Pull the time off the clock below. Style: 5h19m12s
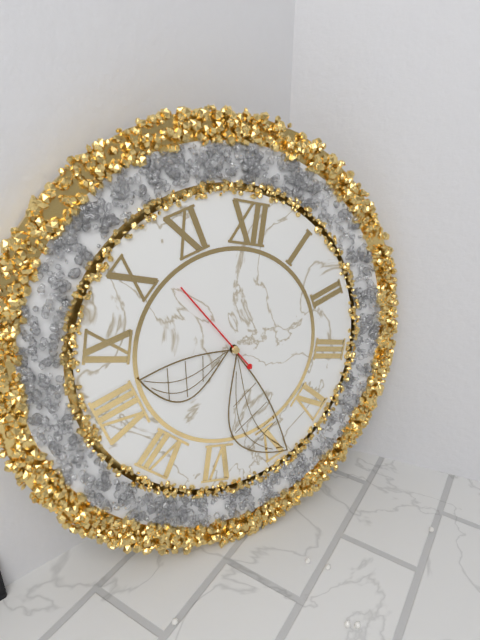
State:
8h24m52s
